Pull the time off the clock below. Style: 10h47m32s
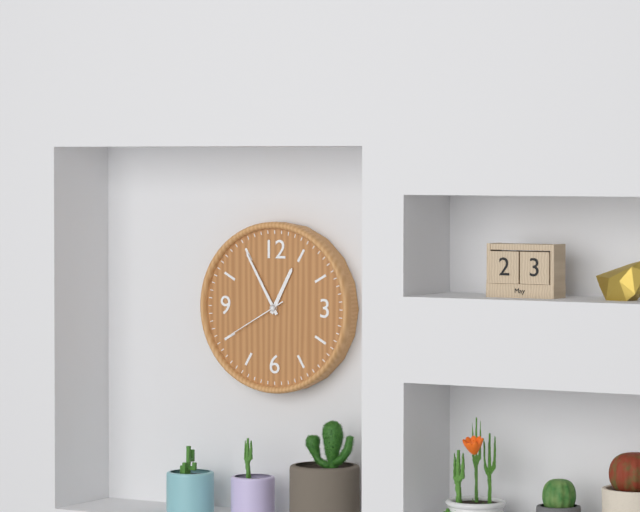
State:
12h55m40s
